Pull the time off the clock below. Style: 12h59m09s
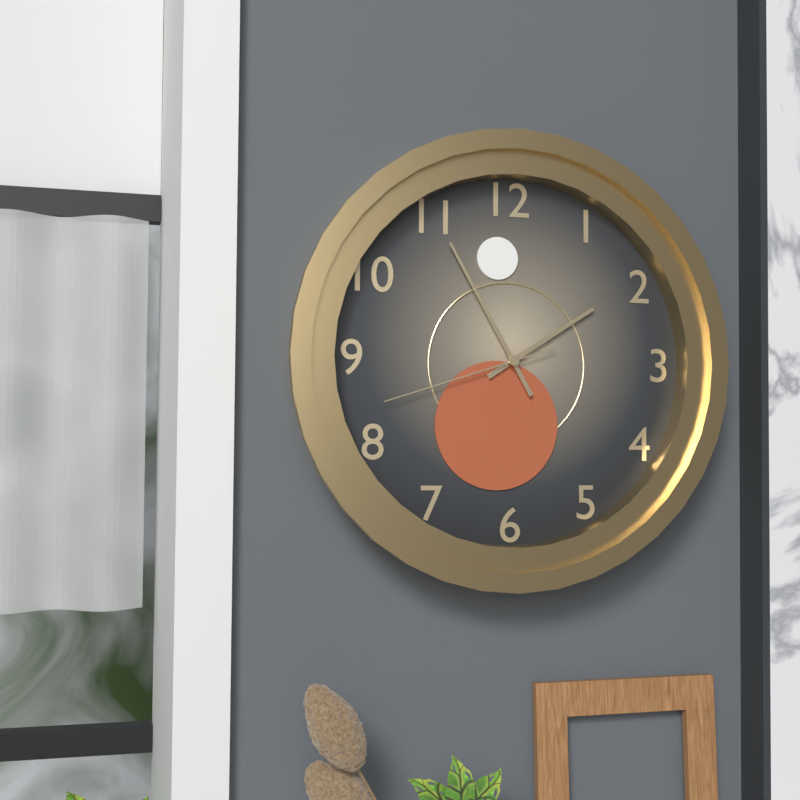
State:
1h55m42s
